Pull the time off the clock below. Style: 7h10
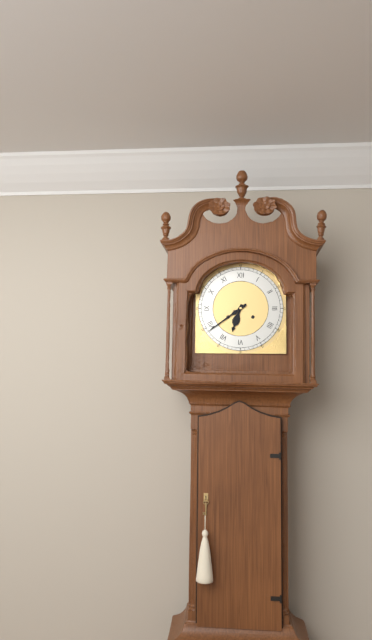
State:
6h39
